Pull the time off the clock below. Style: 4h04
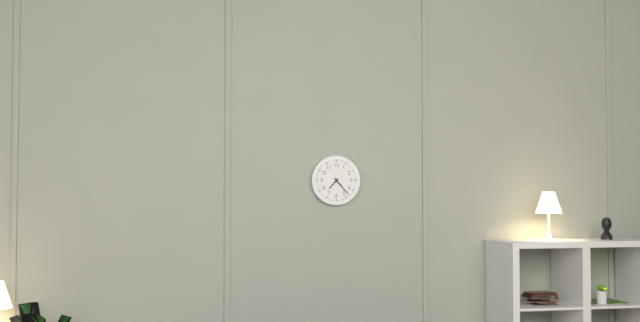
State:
7h23
